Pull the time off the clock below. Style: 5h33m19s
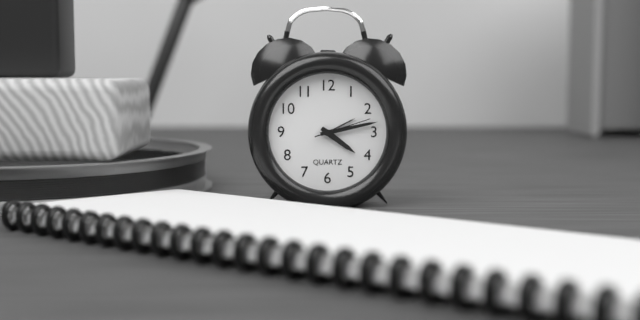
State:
4h13m12s
